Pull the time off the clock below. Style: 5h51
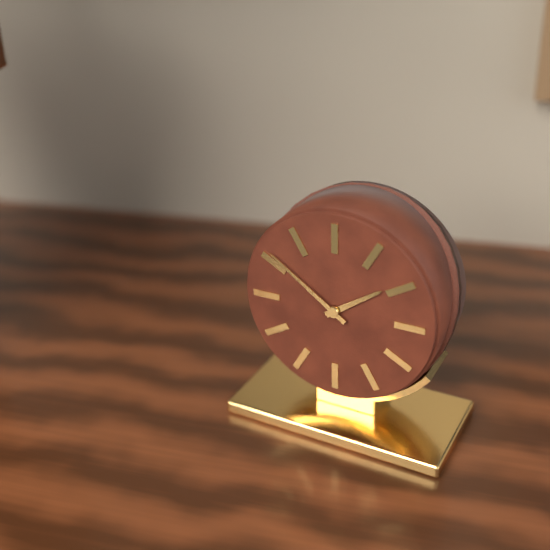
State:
1h51
